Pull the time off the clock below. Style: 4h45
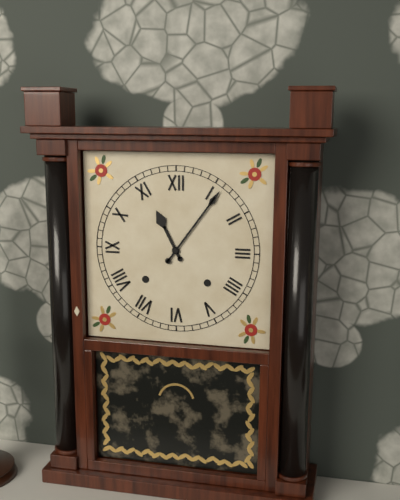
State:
11h06
